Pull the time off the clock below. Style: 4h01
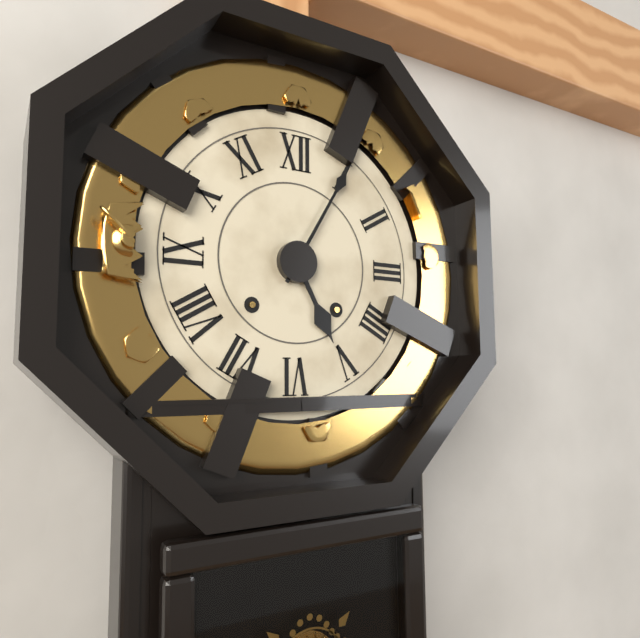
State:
5h05
